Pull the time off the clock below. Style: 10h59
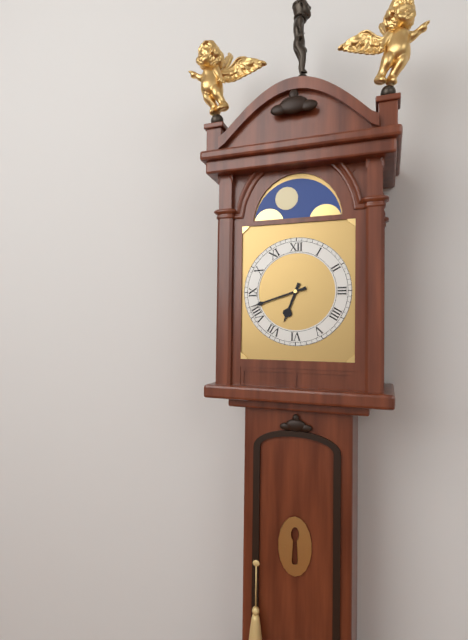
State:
6h42
